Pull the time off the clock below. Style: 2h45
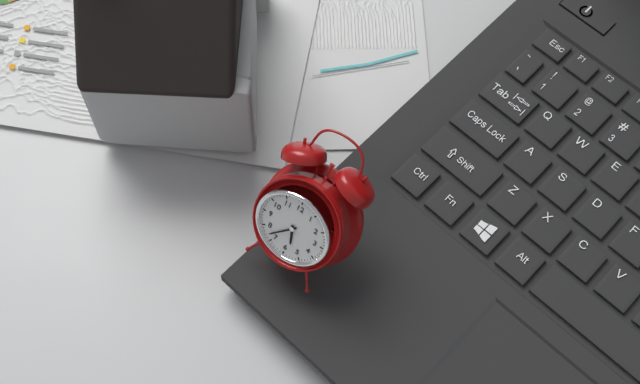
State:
5h37
